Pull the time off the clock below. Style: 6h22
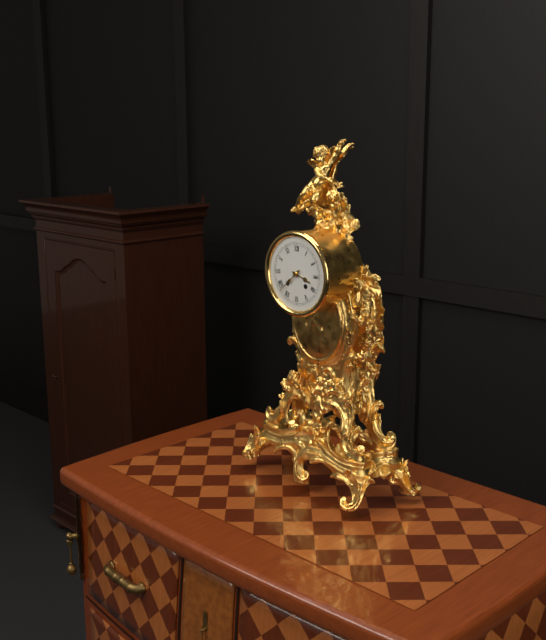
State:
3h38
